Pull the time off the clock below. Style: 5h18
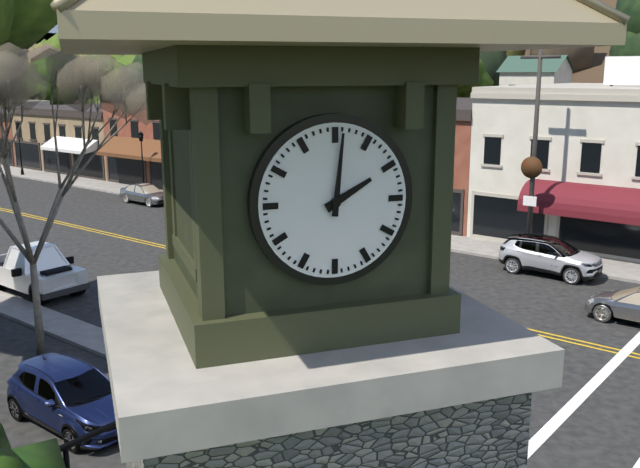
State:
2h01
